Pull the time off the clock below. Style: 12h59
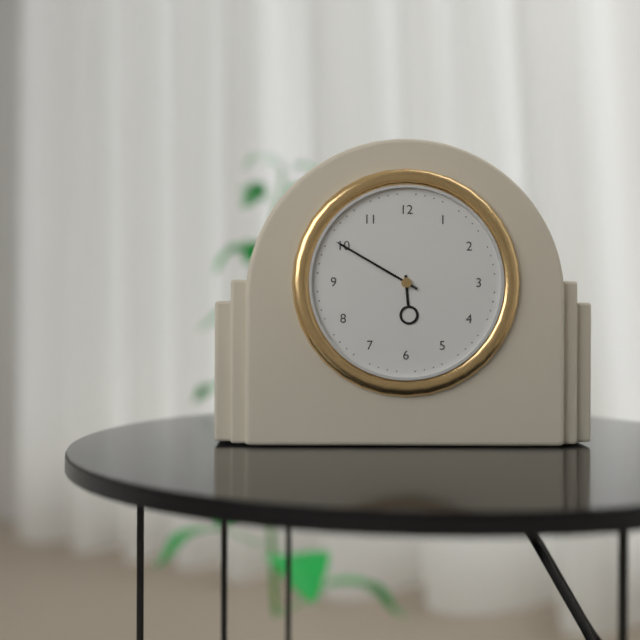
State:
5h50
